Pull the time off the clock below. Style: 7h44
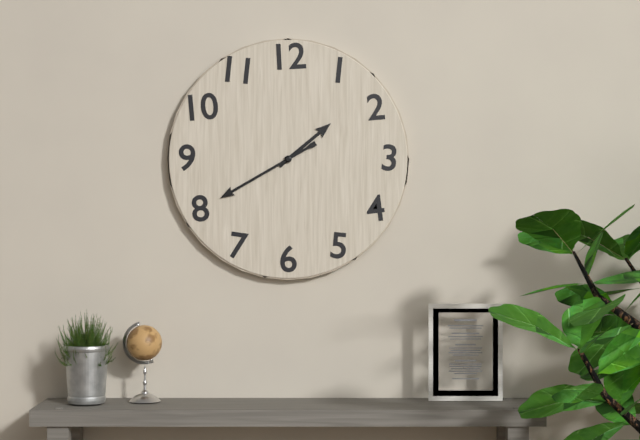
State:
1h40
